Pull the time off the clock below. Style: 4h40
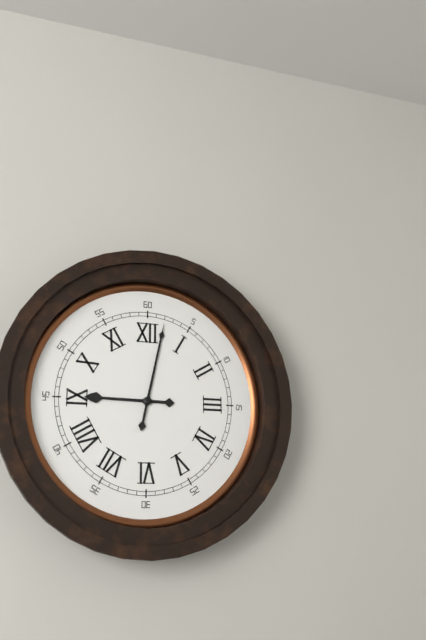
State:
9h02
